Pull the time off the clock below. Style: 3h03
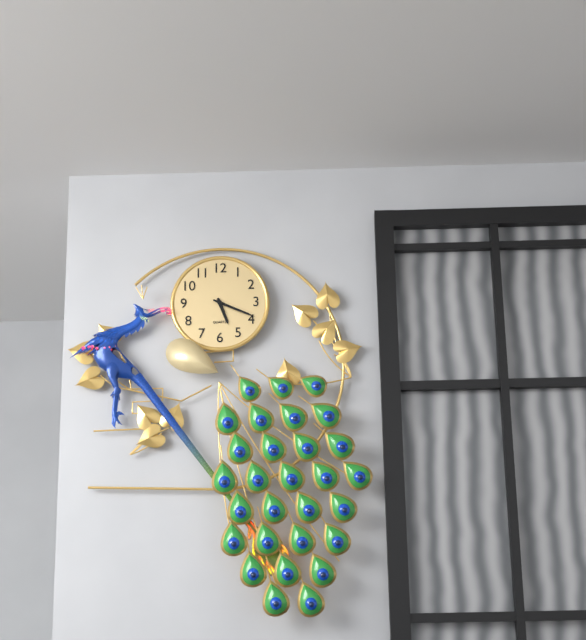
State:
5h19
